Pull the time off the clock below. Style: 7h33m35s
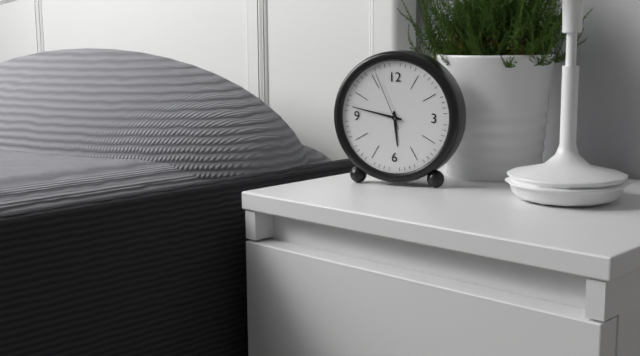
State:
5h47m56s
